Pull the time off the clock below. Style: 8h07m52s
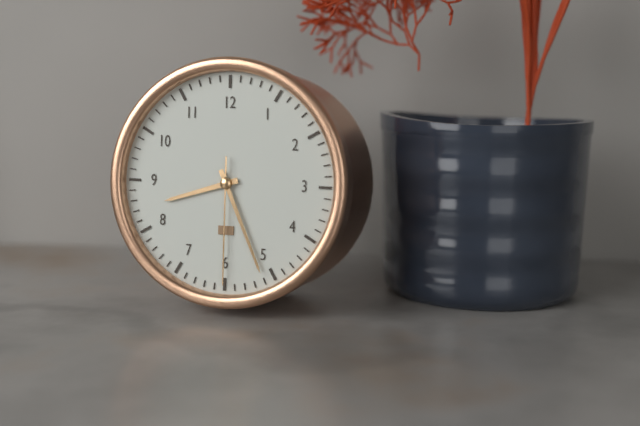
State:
8h26m30s
